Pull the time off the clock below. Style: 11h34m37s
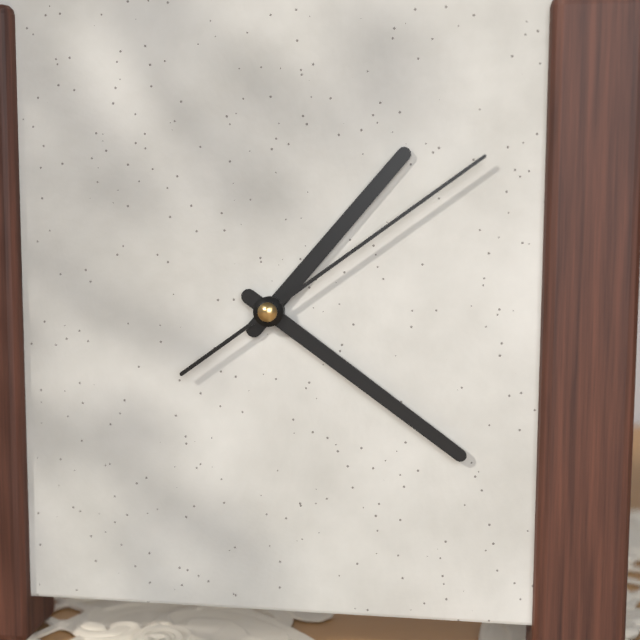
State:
1h21m09s
